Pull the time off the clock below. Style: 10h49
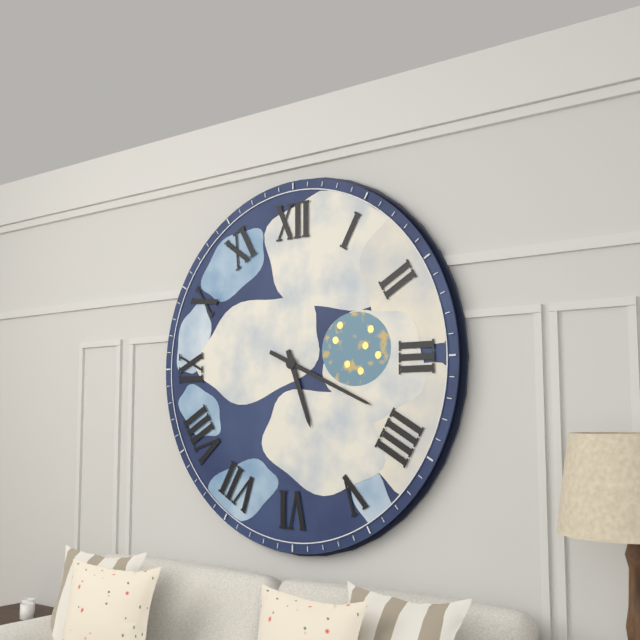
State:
5h19
